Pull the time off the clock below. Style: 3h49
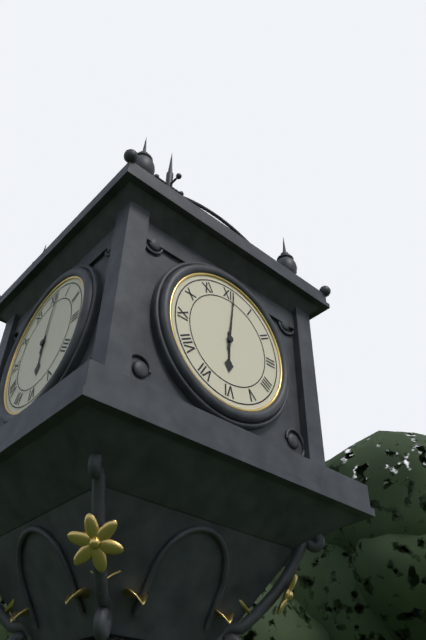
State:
6h01
